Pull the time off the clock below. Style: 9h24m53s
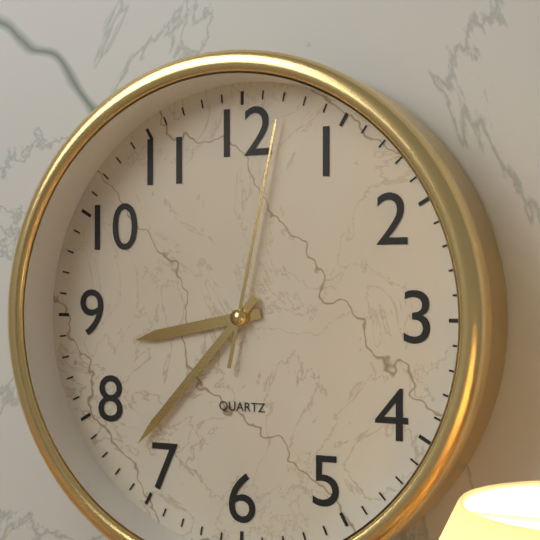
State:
8h37m02s
